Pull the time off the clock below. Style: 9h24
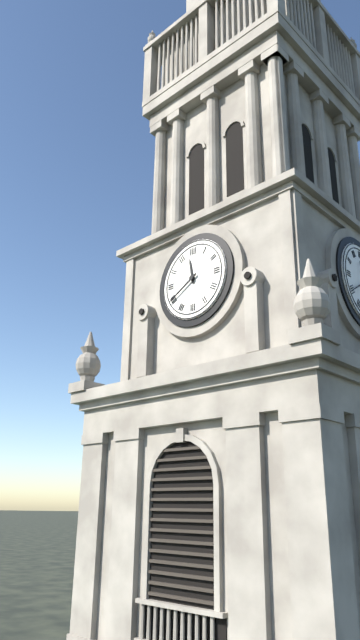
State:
11h40
